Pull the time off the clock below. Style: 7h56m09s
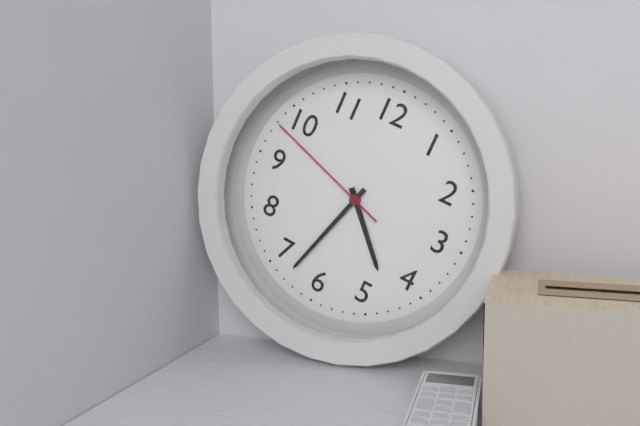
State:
4h33m48s
